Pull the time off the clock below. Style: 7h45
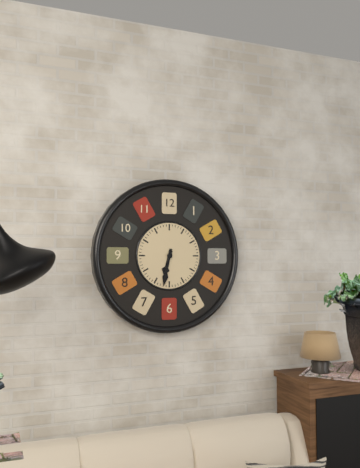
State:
6h32
